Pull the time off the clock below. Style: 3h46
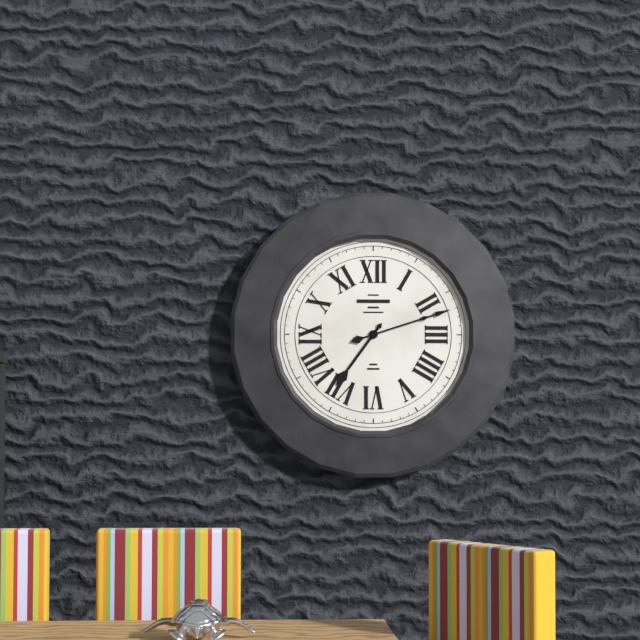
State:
7h12
